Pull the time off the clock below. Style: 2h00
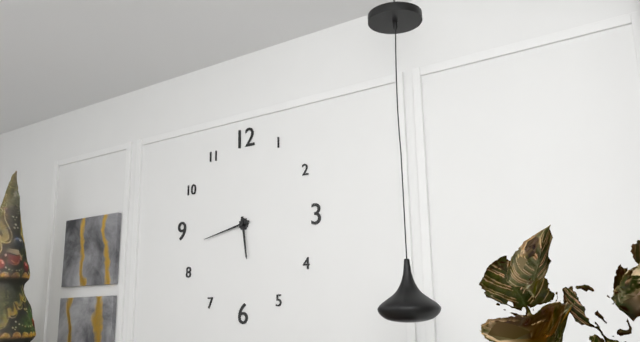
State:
5h43
